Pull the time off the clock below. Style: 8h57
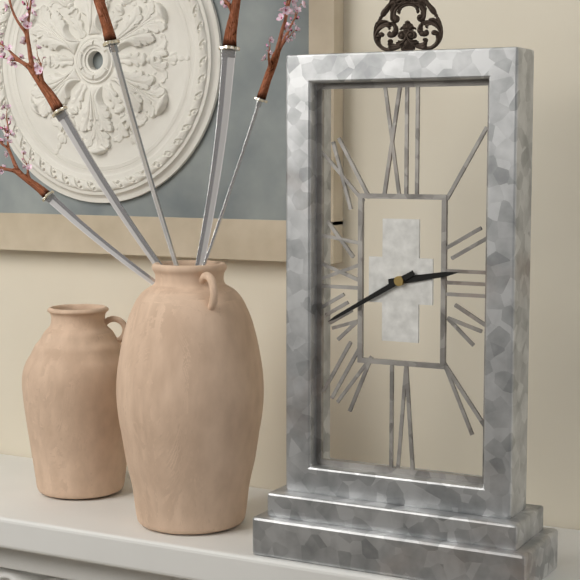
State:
2h40
